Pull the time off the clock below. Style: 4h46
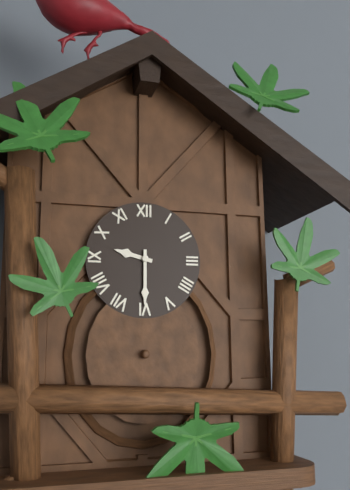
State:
9h30
